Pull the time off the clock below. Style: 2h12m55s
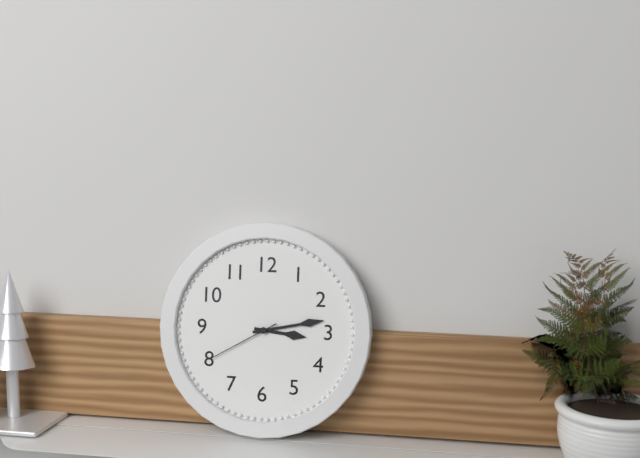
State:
3h13m40s
